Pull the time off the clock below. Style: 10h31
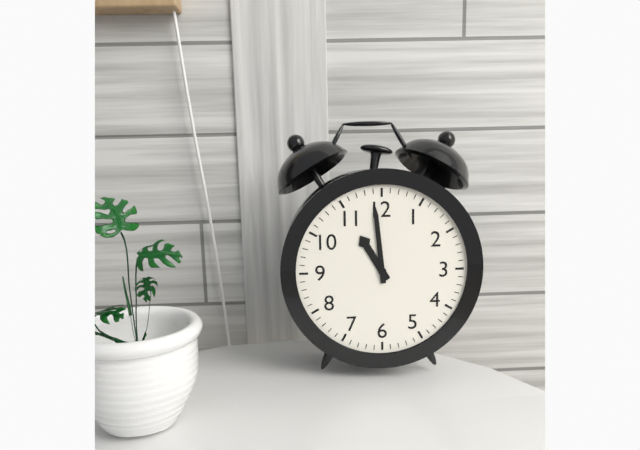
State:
10h59
